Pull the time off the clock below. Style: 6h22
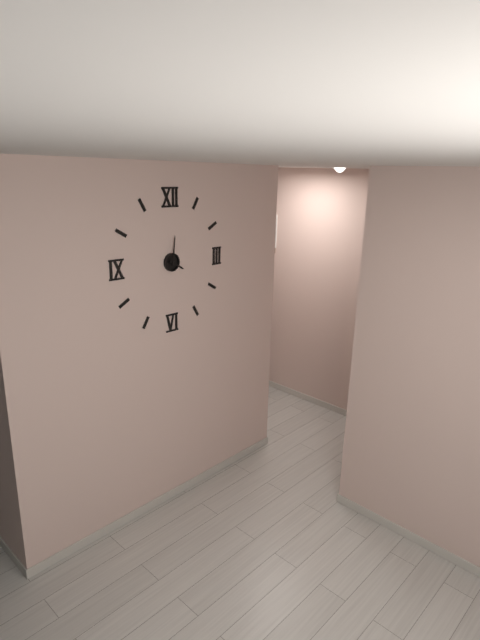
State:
4h01
